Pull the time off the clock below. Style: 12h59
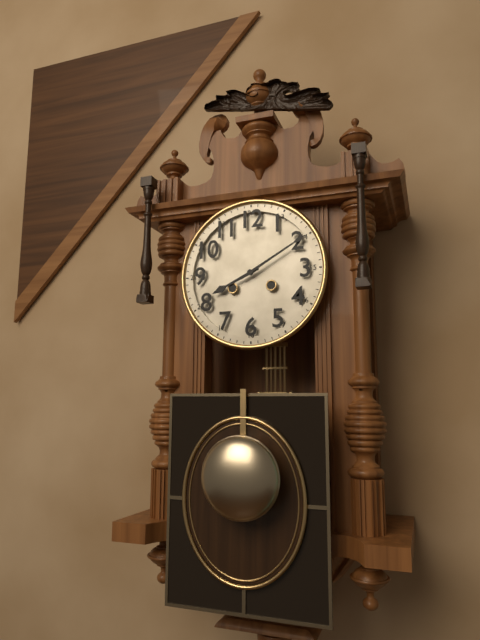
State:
8h10
